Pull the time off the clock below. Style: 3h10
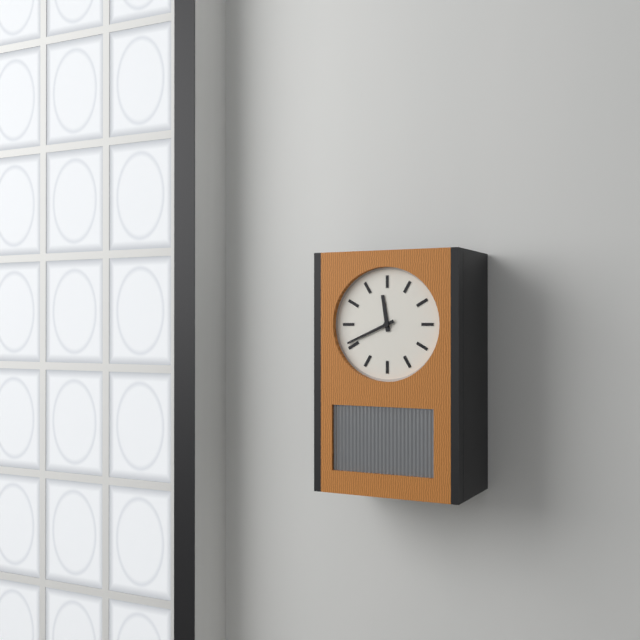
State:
11h41
